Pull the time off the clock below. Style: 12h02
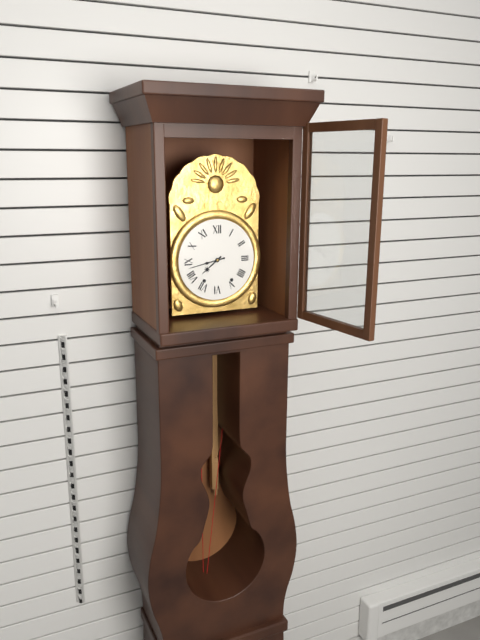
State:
7h43
